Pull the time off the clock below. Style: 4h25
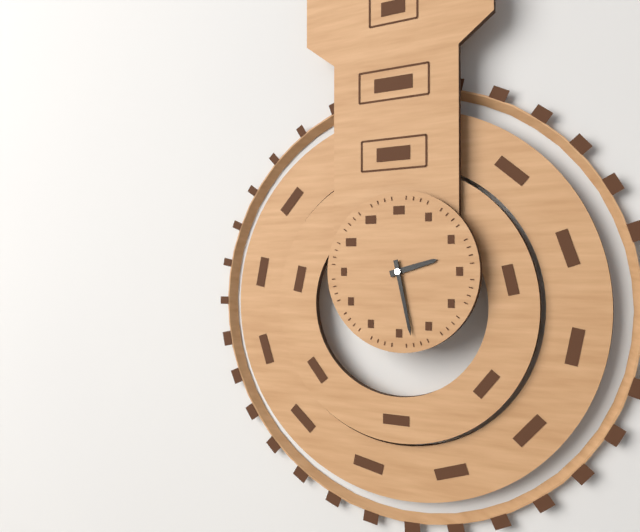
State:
2h28
